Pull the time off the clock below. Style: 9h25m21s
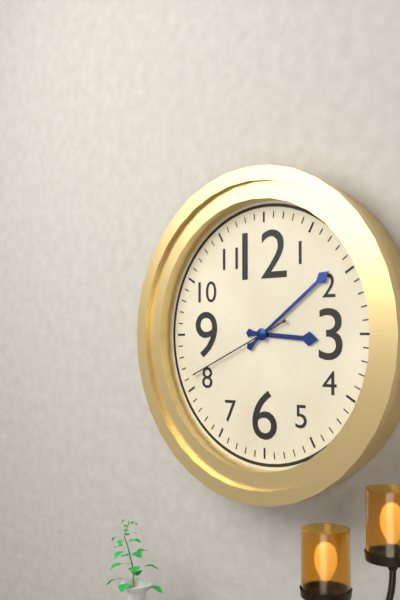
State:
3h09m41s
